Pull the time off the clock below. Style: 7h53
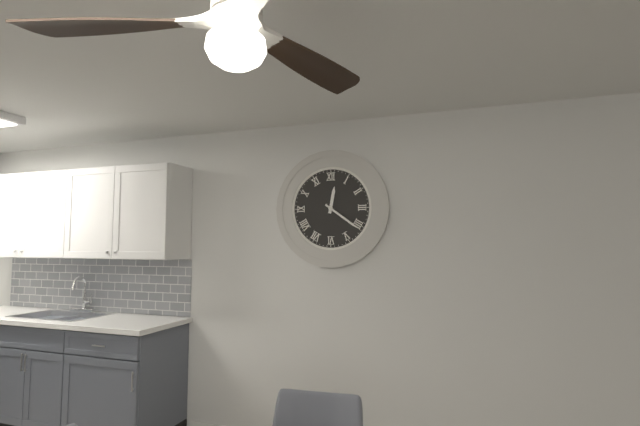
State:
12h21
